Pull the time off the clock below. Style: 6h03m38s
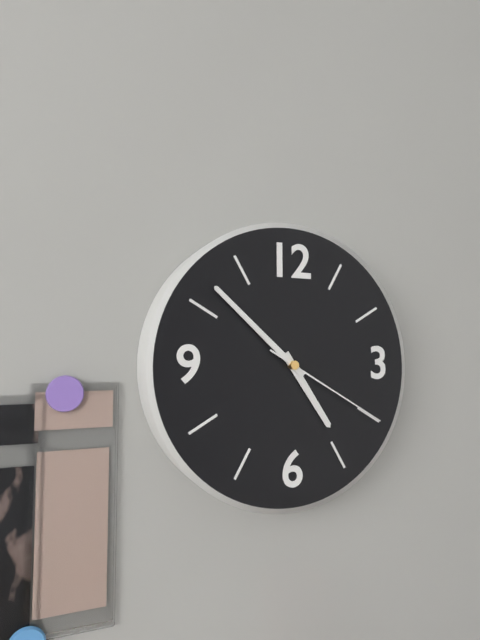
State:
4h52m20s
